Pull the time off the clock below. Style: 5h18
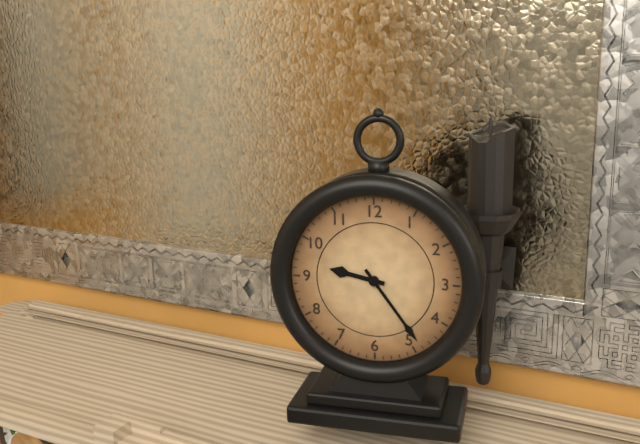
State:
9h24
